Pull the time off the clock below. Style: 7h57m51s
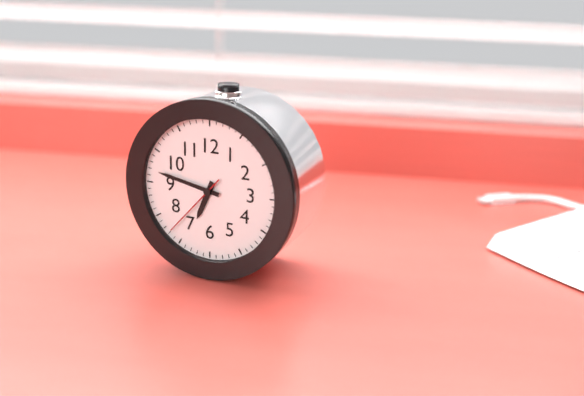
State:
6h47m37s
